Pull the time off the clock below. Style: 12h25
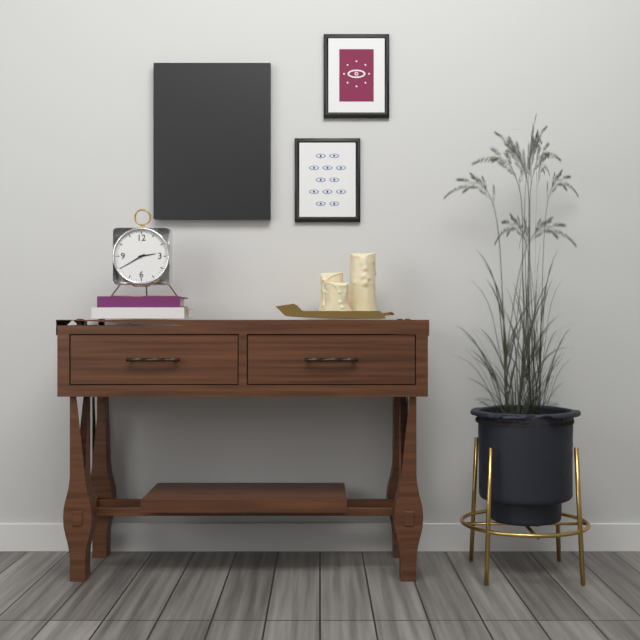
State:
2h40
